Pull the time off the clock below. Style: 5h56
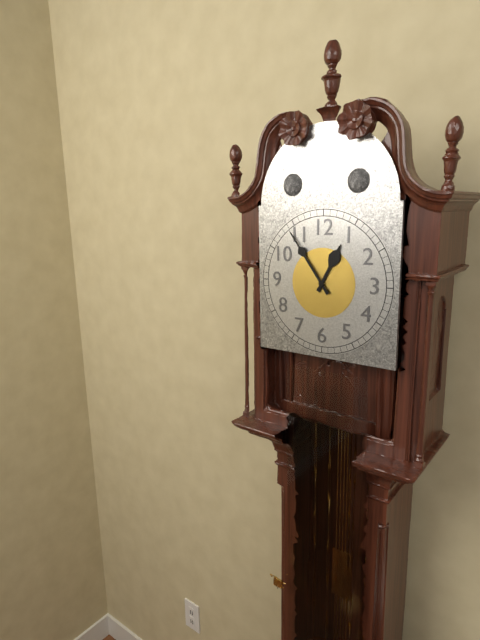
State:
12h54
